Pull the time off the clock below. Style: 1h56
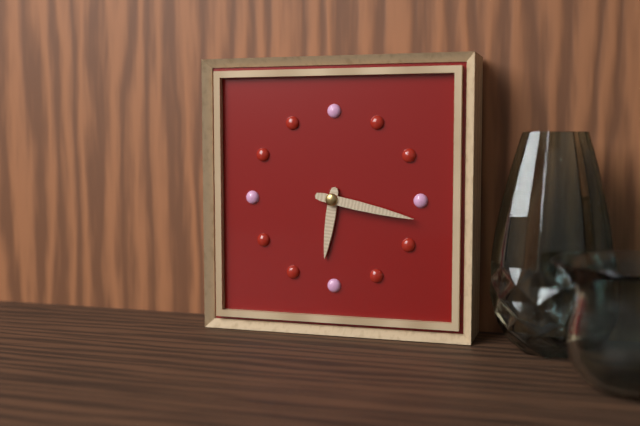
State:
6h17
